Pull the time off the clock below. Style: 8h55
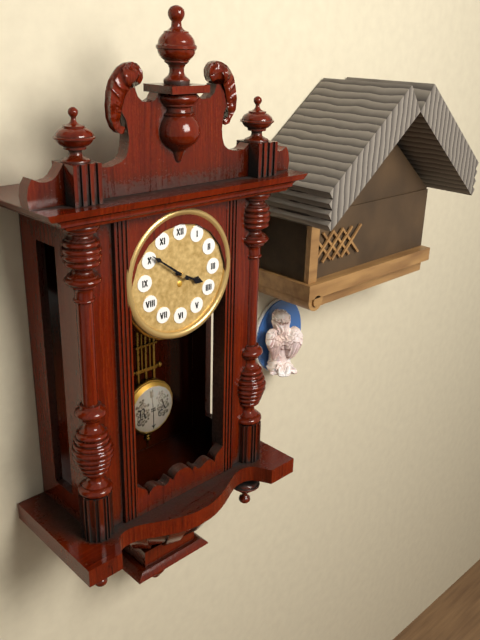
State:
3h51
